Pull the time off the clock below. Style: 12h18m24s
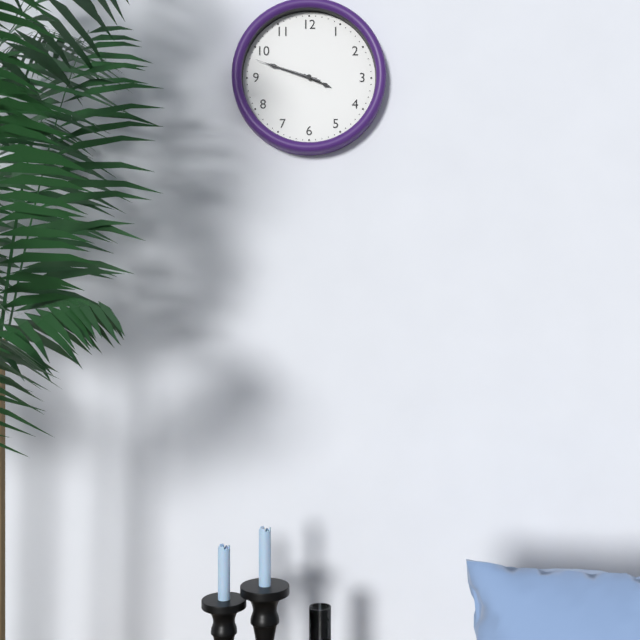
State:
3h48m48s
